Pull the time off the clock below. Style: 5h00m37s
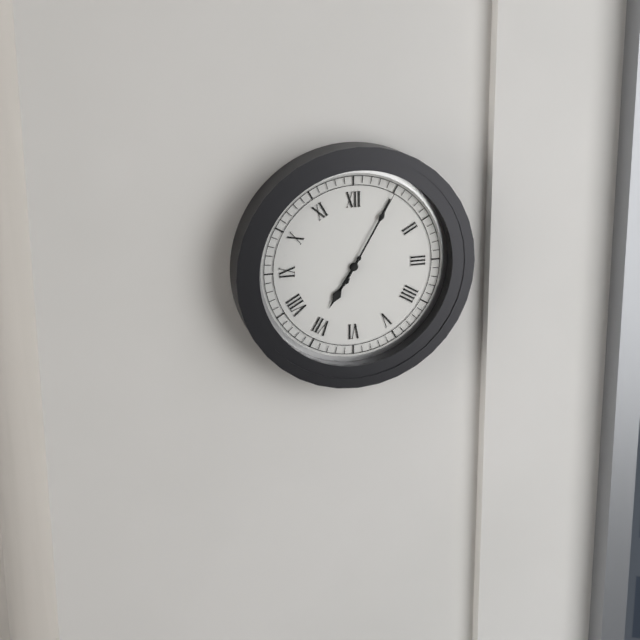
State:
7h05m05s
